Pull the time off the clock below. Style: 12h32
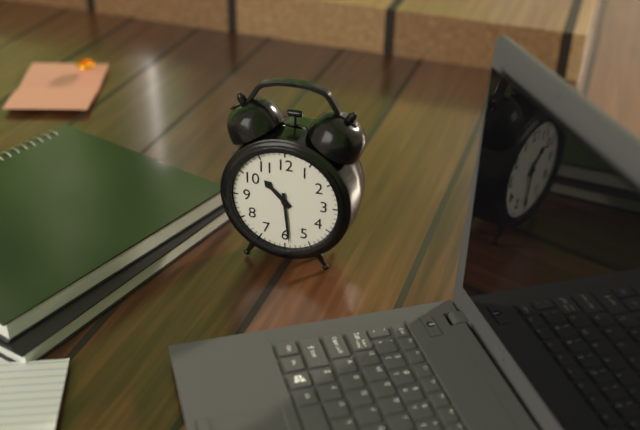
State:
10h29
